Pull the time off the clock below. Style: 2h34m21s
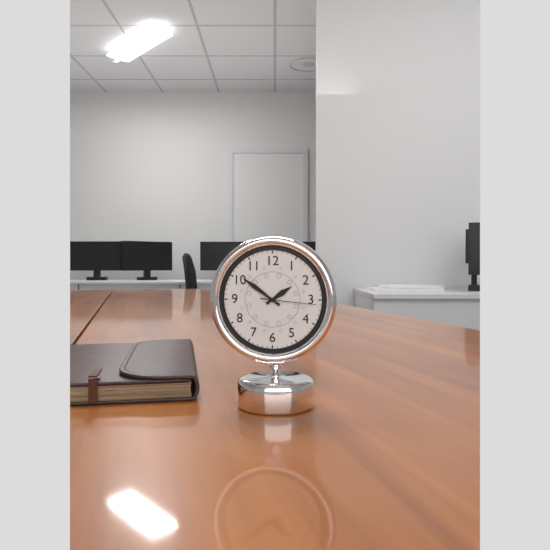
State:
1h51m16s
